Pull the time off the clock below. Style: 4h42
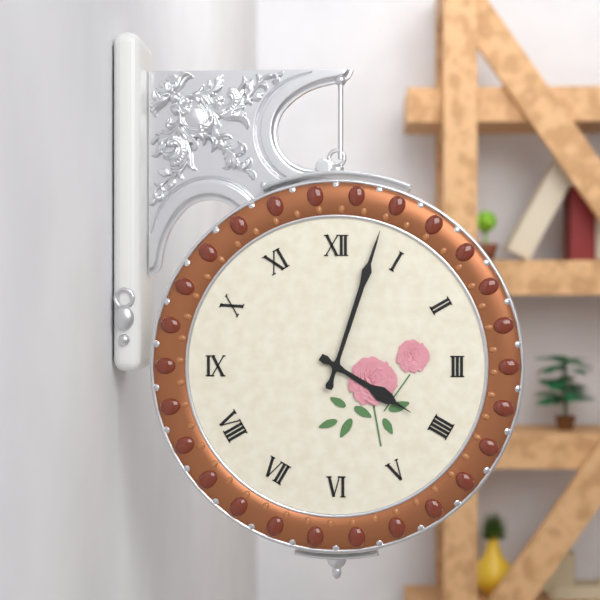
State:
4h03
